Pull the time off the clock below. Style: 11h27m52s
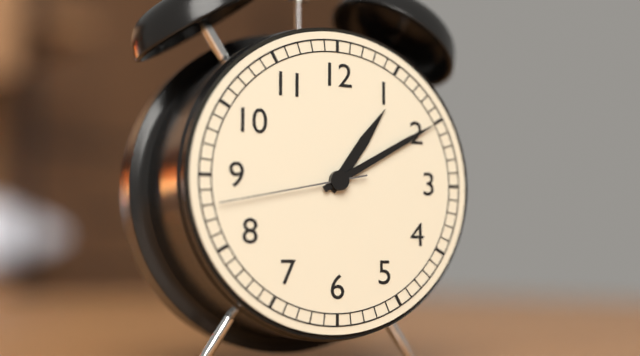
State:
1h10m43s
